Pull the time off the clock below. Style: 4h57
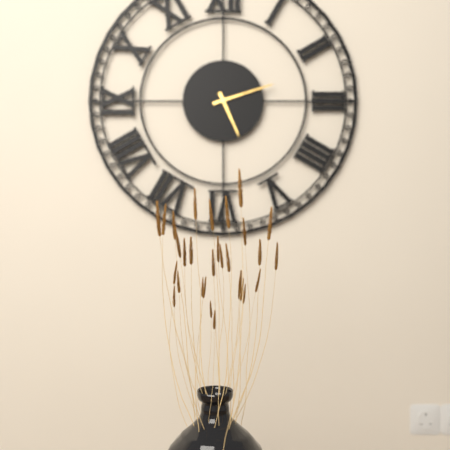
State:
5h12
